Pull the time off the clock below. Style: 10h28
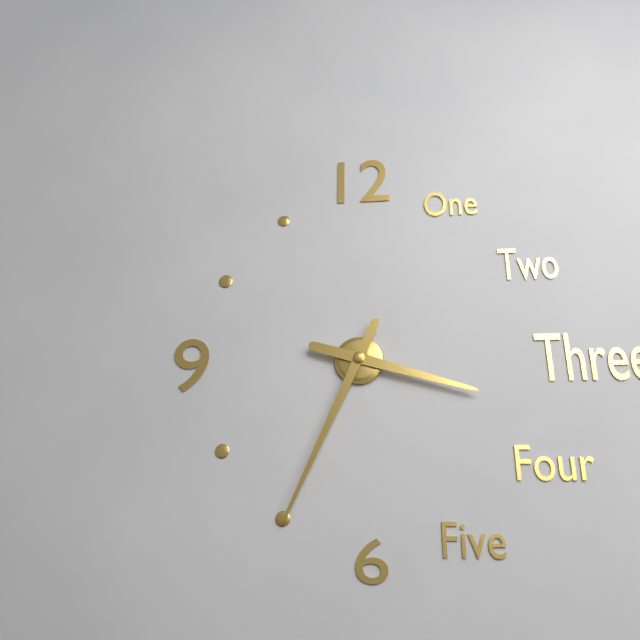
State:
3h34
